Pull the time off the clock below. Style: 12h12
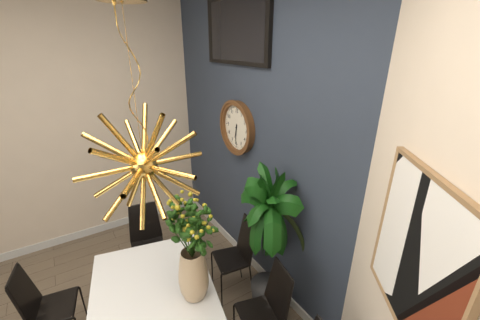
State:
6h31
